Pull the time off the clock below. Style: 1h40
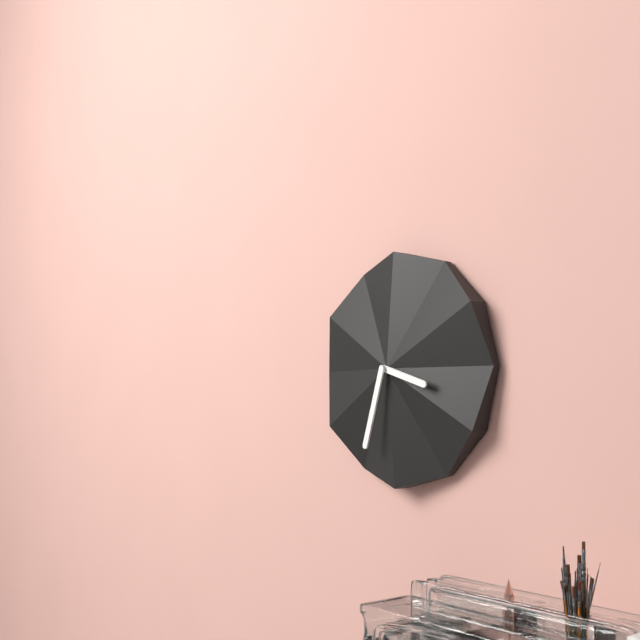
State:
3h33
